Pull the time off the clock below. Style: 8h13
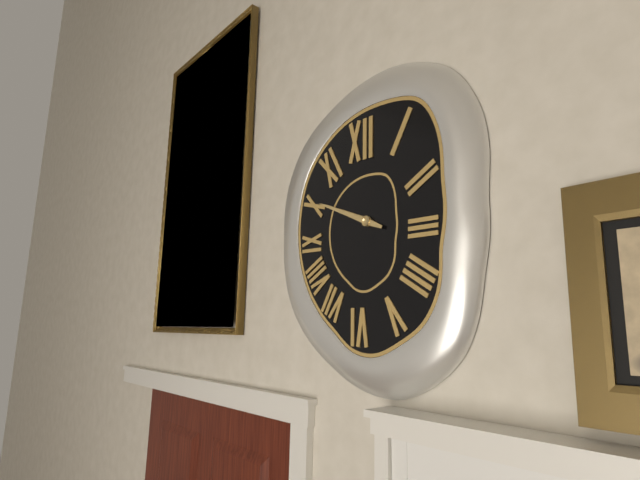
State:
9h49
